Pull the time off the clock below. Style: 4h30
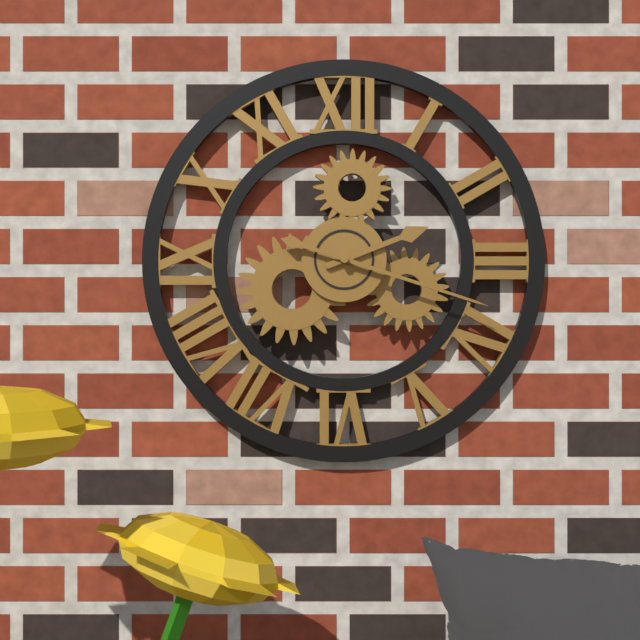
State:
2h18
